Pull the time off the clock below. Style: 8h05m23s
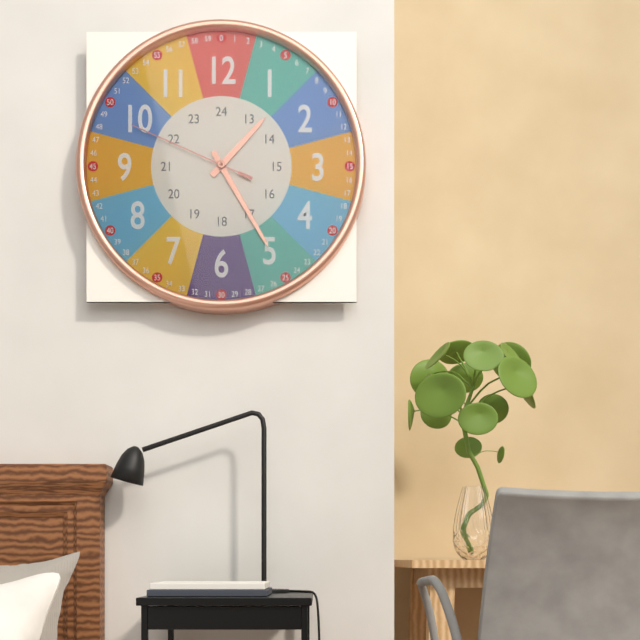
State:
1h25m49s
